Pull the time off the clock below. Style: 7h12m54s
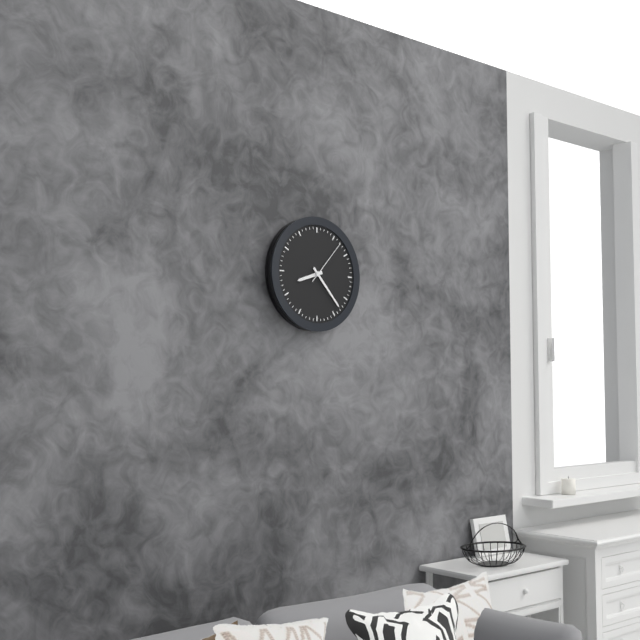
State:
8h23m07s
